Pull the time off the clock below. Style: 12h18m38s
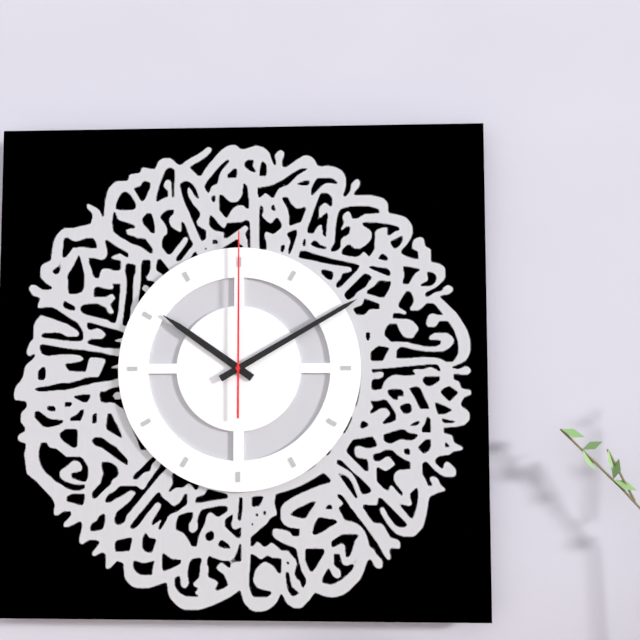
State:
10h10m00s
